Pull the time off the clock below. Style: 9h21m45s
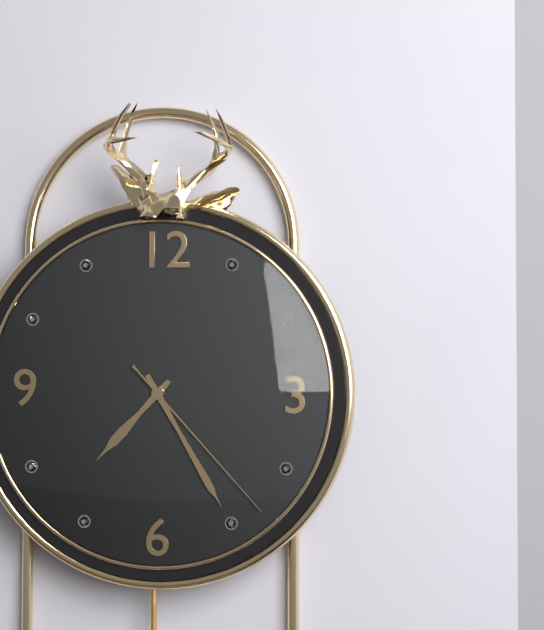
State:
7h25m23s
